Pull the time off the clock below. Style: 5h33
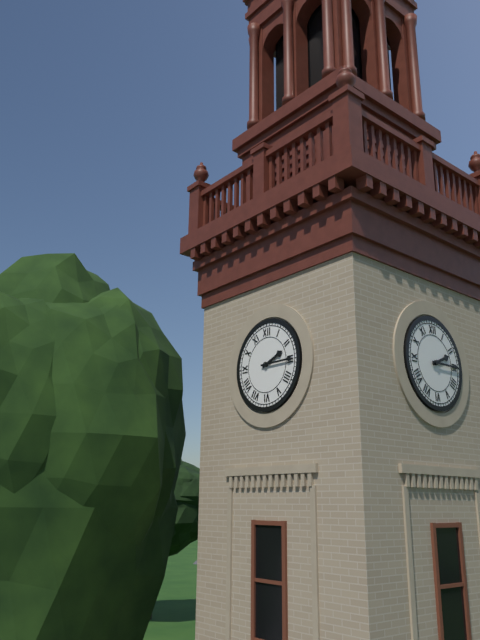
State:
2h15
